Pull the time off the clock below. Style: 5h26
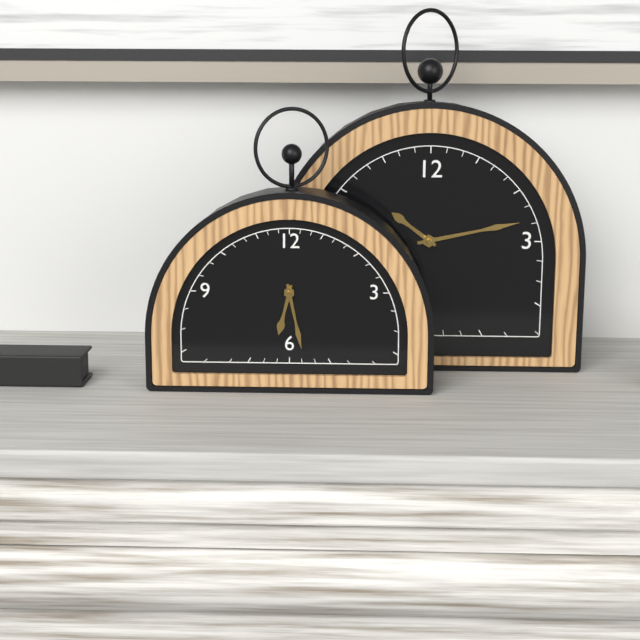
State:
6h28
